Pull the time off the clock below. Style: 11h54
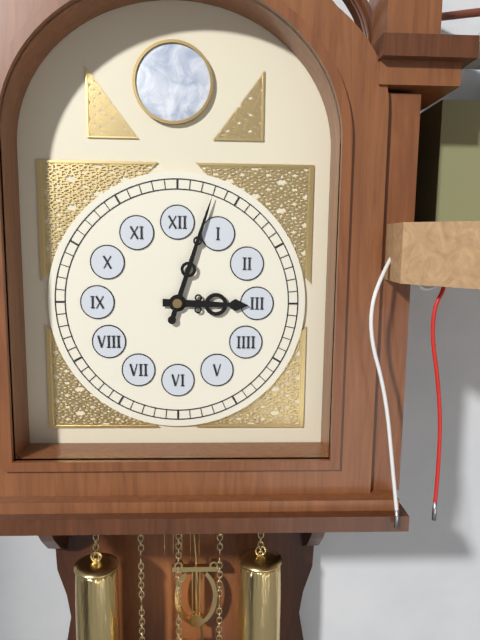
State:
3h03
